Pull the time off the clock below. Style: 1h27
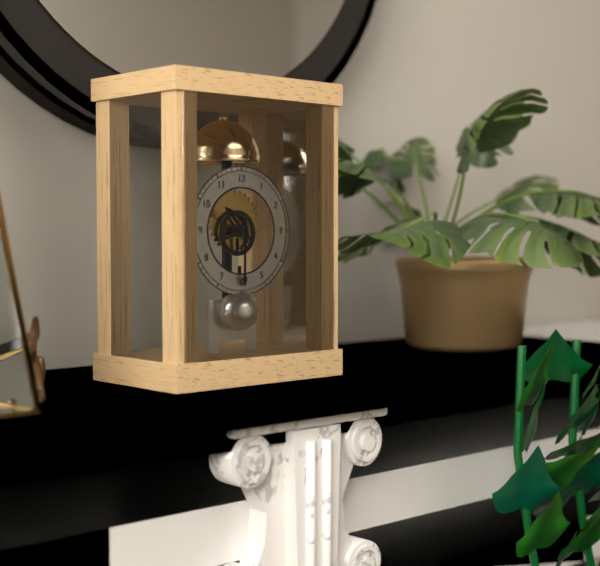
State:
10h30
